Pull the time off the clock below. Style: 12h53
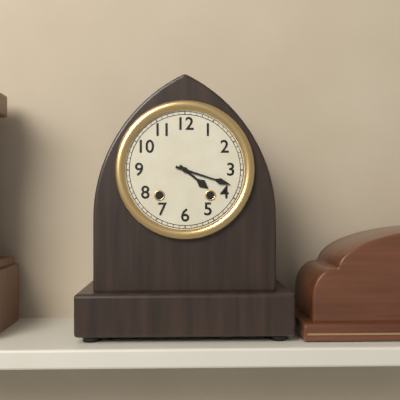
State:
4h18
